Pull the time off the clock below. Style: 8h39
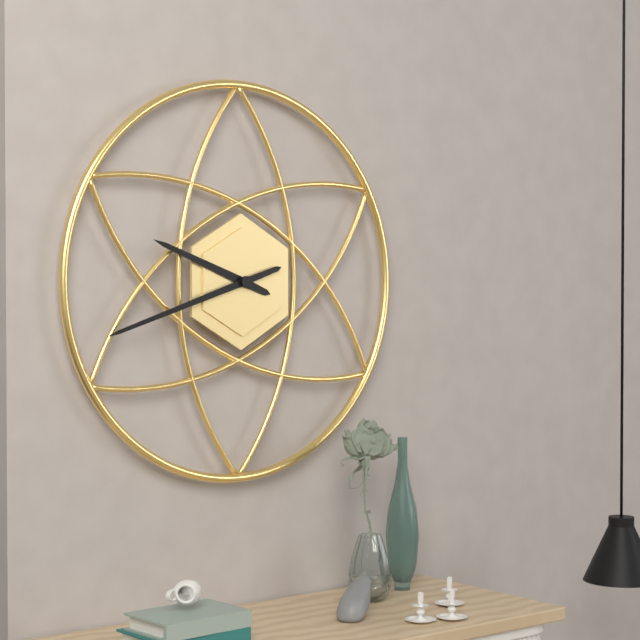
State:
9h42
